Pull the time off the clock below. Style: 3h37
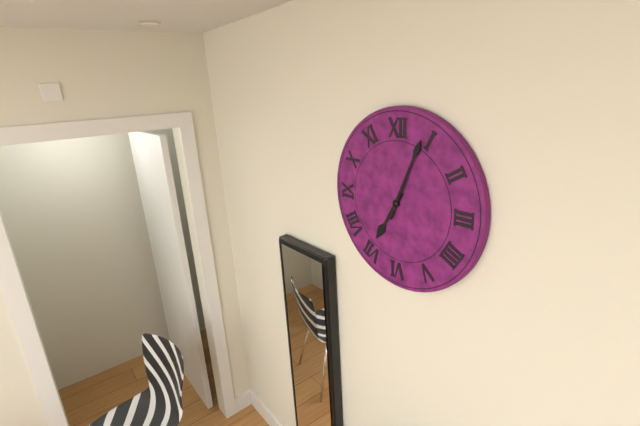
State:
7h04
